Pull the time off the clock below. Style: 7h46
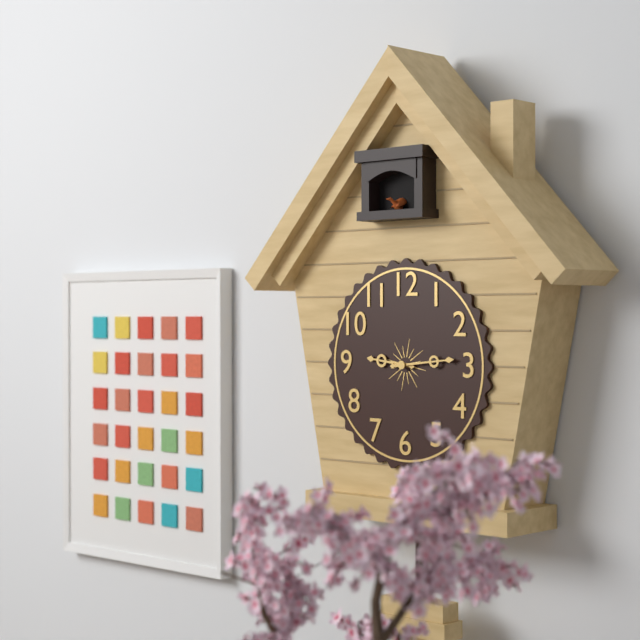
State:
9h14
